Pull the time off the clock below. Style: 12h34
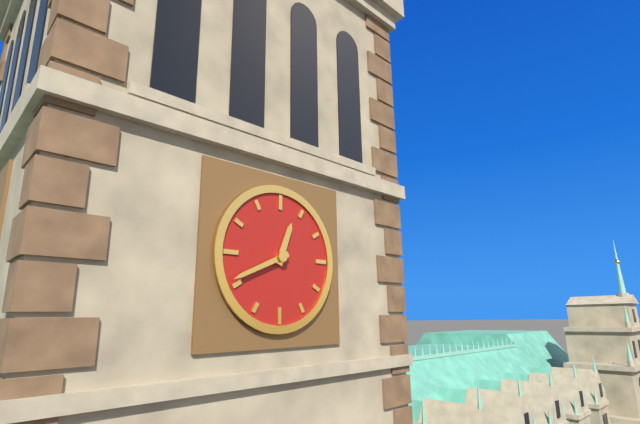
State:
12h41
